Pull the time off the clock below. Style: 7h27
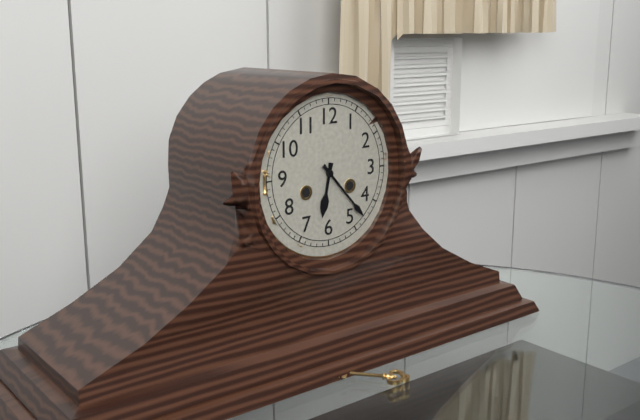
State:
6h23
